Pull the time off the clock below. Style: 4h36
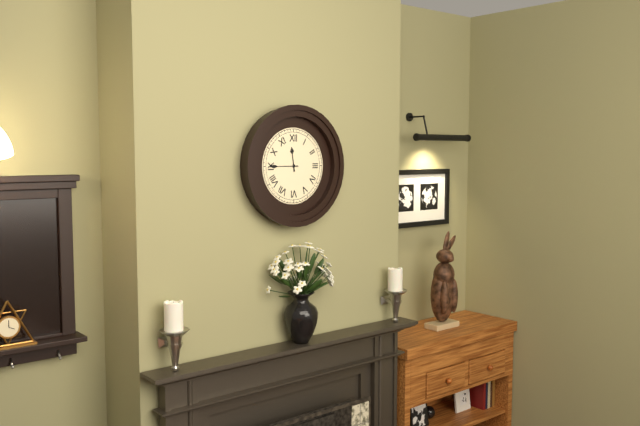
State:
11h45
